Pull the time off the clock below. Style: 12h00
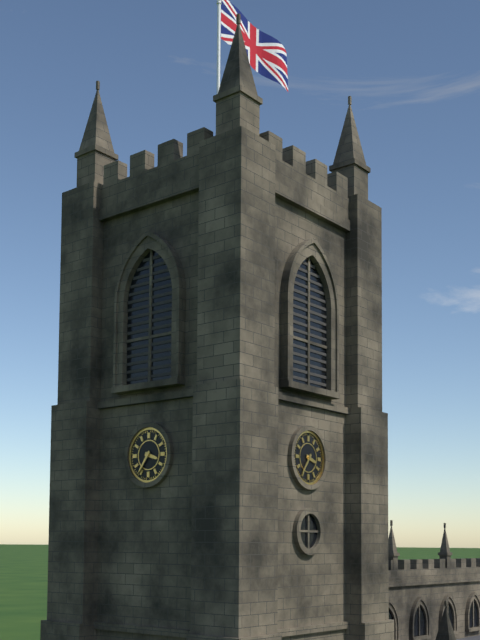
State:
3h36
